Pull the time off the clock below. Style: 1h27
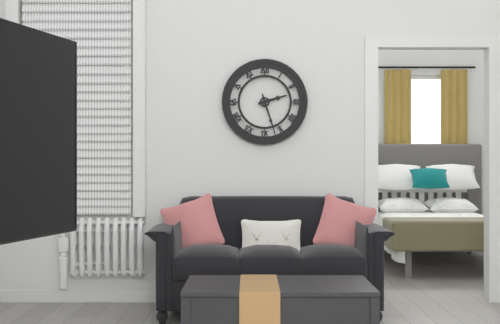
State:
2h27
